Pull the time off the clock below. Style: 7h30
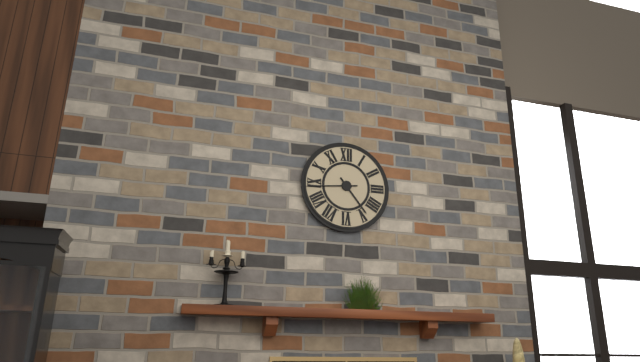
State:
4h44
